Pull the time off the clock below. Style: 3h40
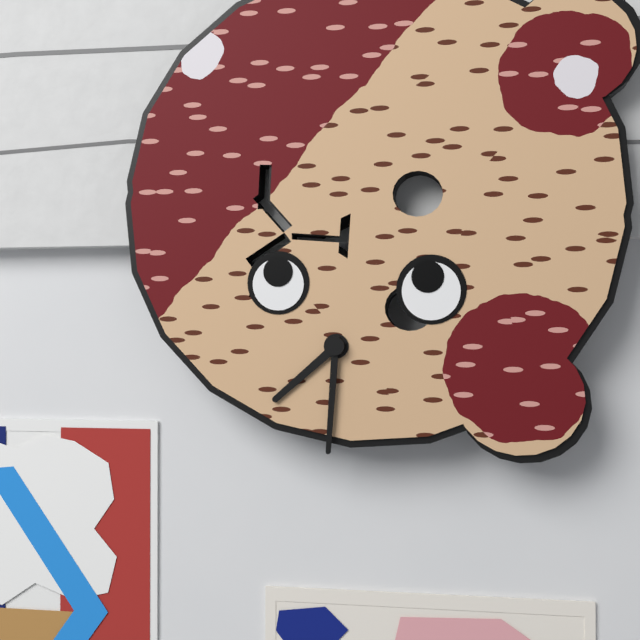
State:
7h30
